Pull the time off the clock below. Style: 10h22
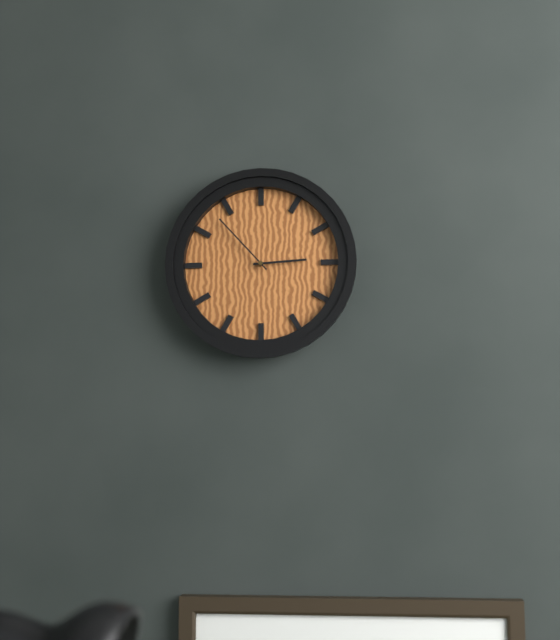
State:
2h53
